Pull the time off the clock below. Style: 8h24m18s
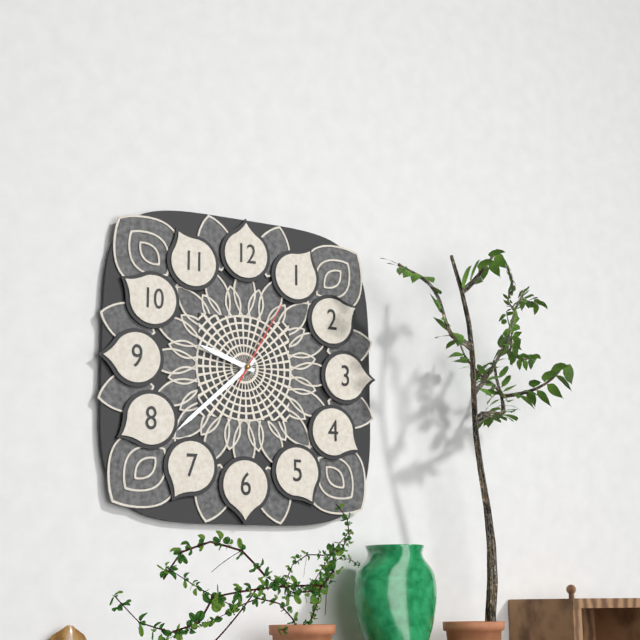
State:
9h38m05s
